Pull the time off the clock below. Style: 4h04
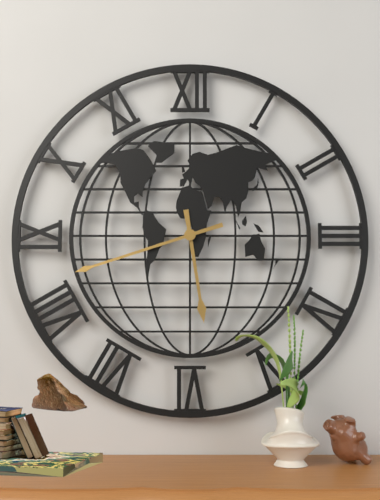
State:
5h42
